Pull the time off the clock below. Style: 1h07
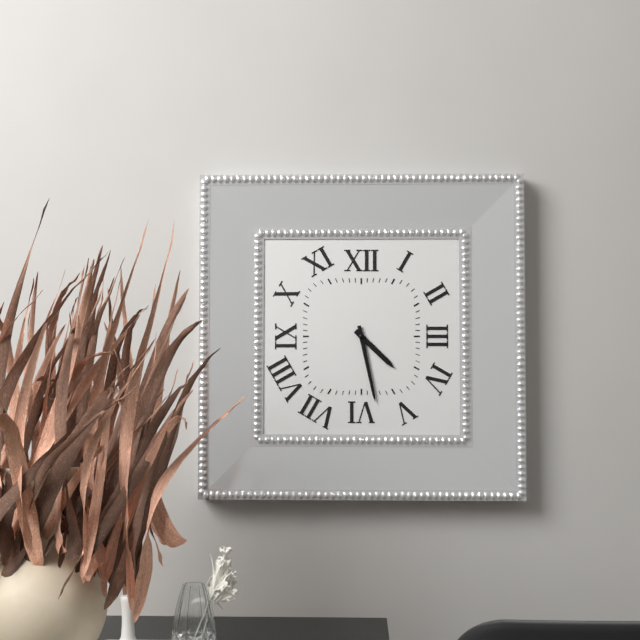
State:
4h28
